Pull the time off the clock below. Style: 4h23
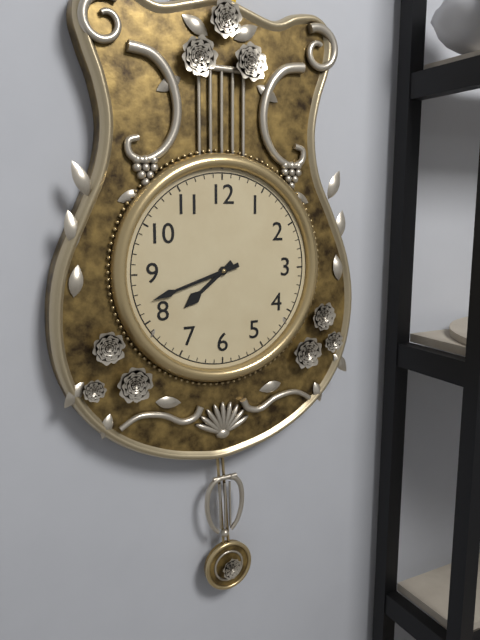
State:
7h42
